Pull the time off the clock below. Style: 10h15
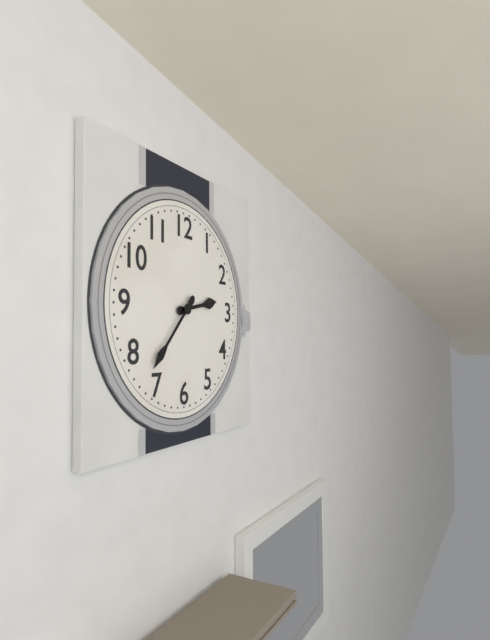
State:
2h37
